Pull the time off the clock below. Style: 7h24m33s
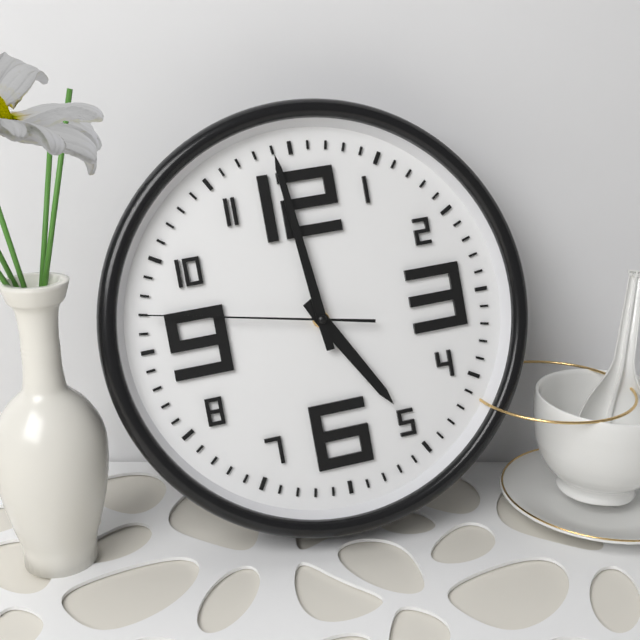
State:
4h59m47s
